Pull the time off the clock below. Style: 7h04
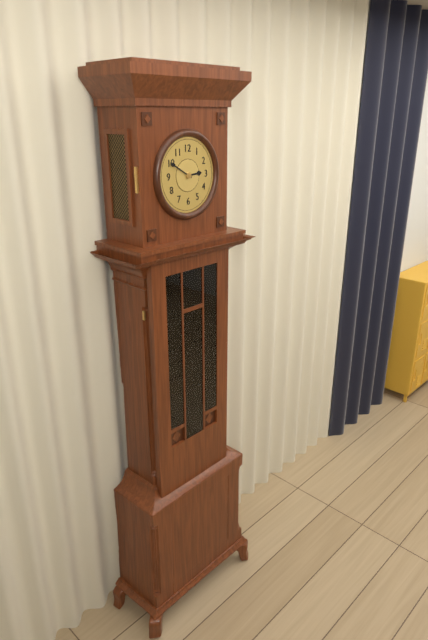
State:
2h50
